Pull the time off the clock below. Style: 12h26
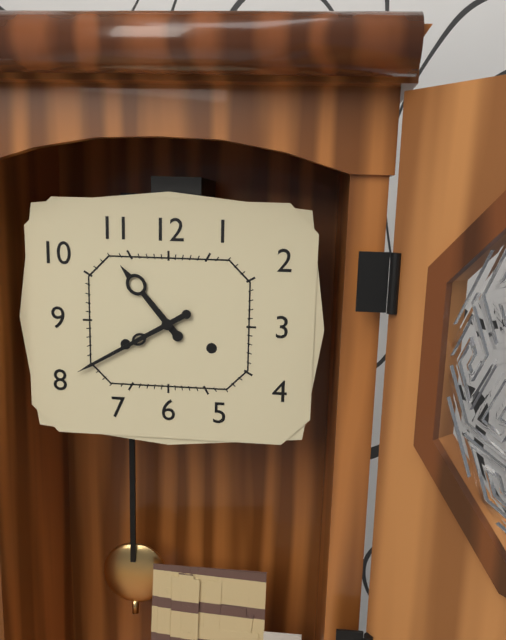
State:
10h40
